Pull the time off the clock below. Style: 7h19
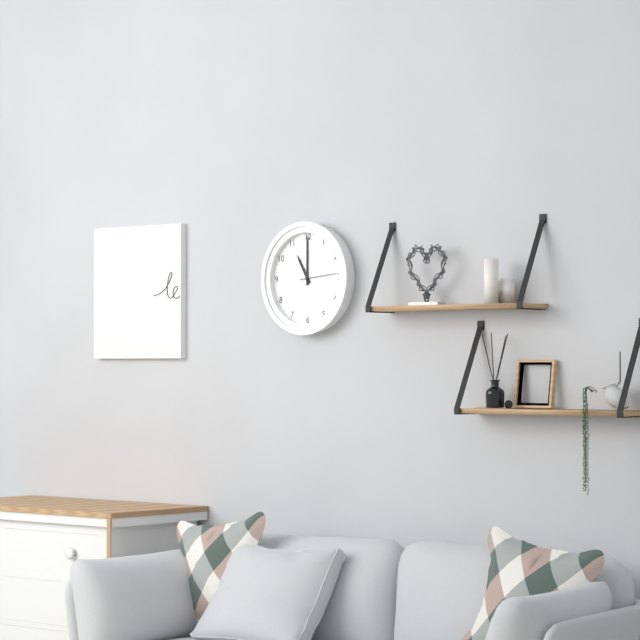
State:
11h00
